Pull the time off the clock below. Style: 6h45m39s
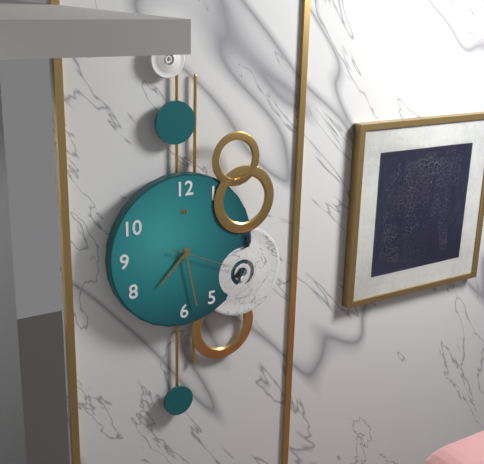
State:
7h28m19s
